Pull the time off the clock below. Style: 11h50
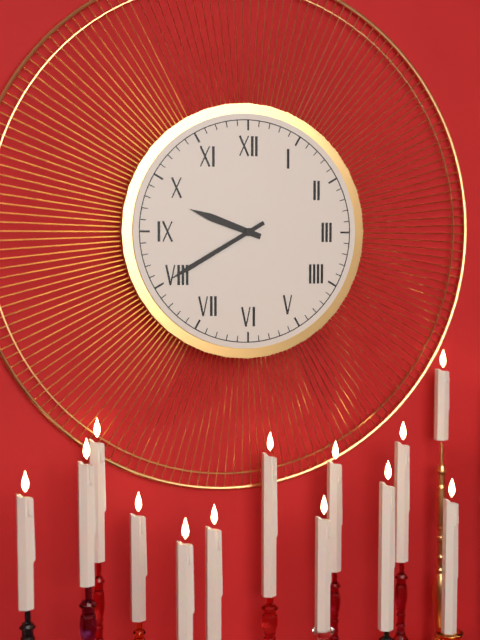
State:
9h40
